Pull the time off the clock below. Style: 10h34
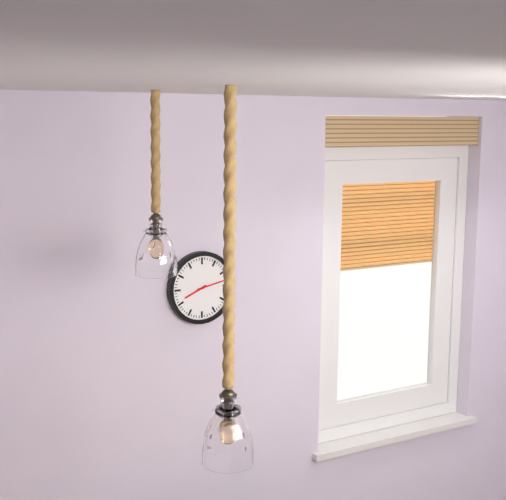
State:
8h13
